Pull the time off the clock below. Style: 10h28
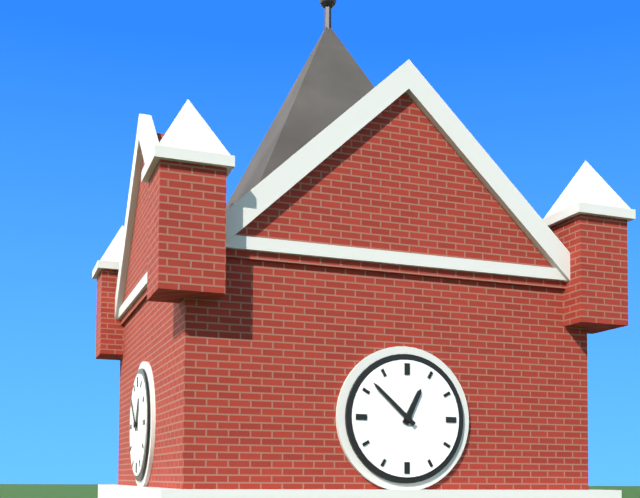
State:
12h52
